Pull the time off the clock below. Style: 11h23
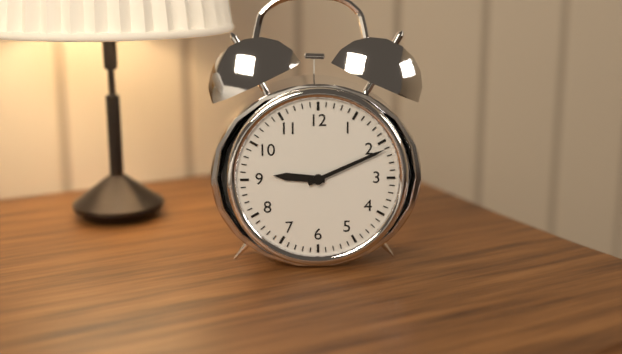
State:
9h11
